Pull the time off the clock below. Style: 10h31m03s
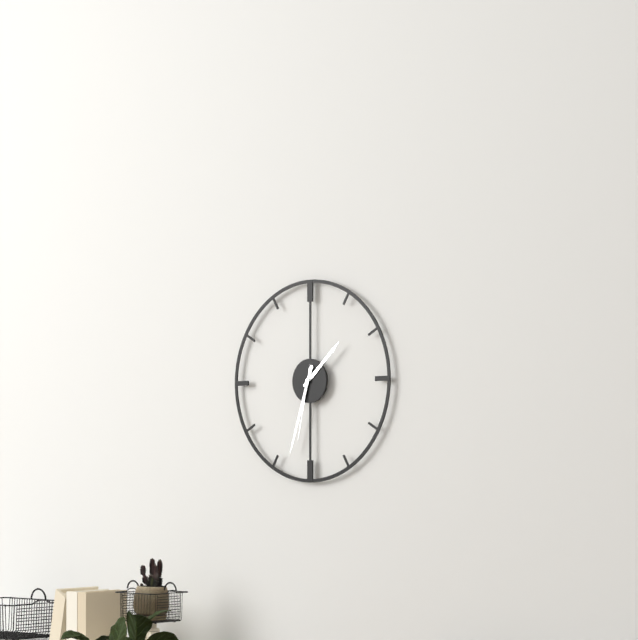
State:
1h33m32s
